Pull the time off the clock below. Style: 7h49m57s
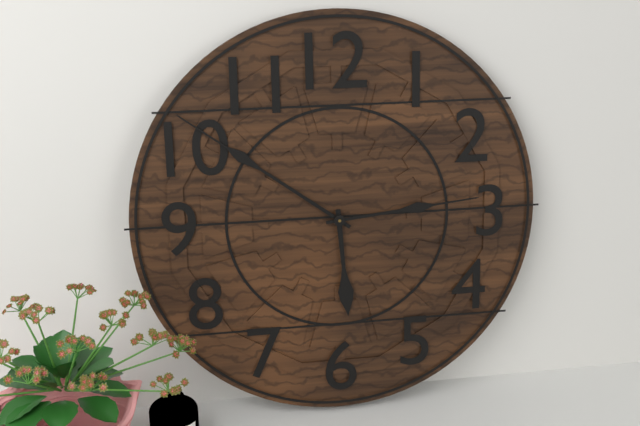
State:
5h51m14s
